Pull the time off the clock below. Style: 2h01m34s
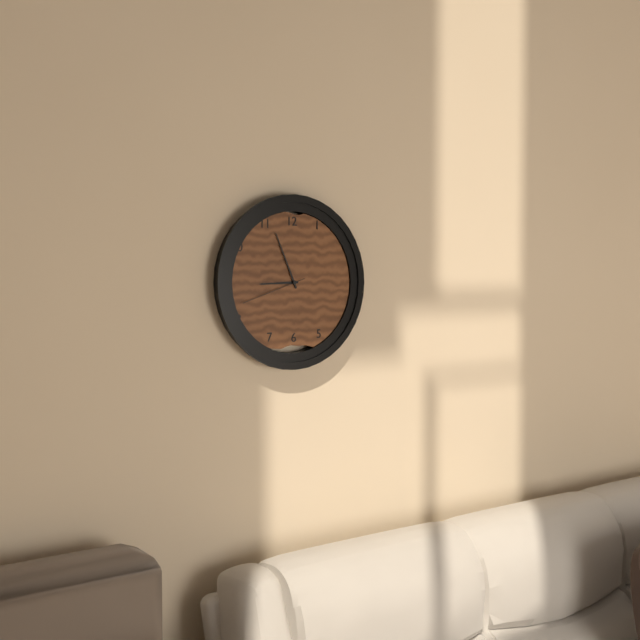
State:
8h56m42s
